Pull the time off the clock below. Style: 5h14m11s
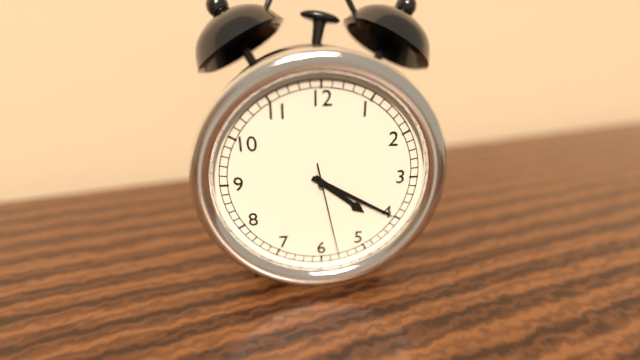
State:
4h20m28s
